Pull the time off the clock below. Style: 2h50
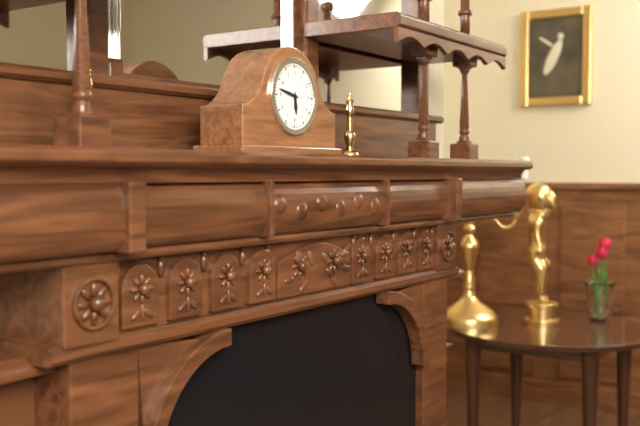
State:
5h47
